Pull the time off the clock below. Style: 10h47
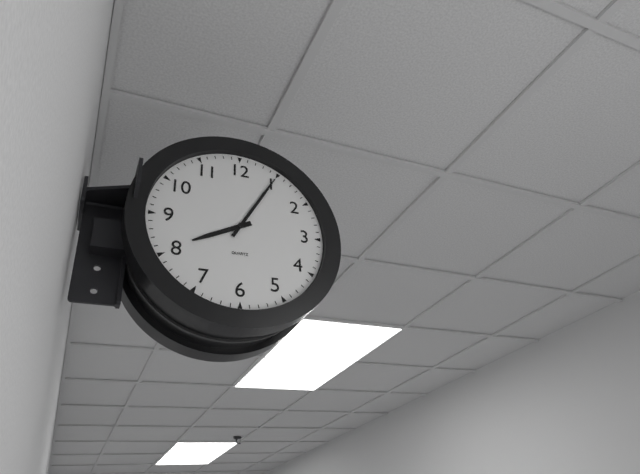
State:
8h05
